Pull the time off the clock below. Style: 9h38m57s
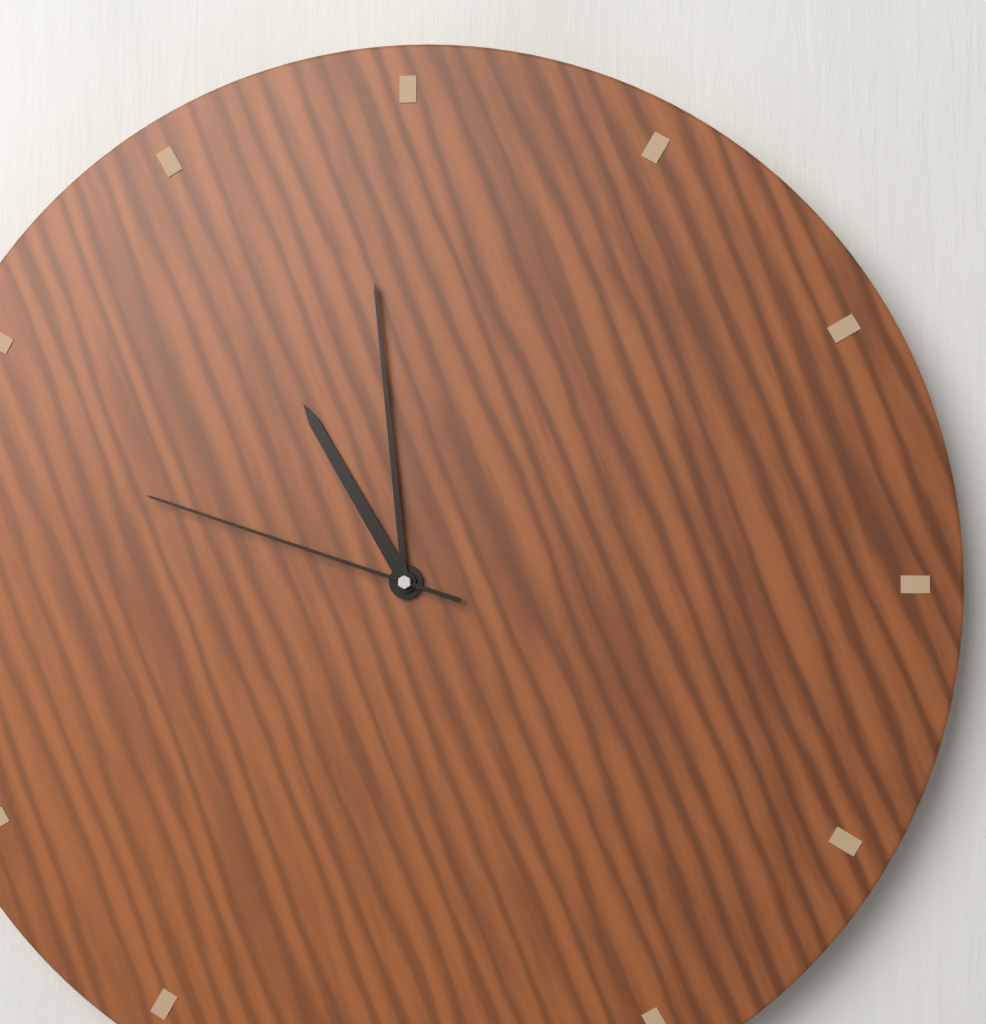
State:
10h59m48s
